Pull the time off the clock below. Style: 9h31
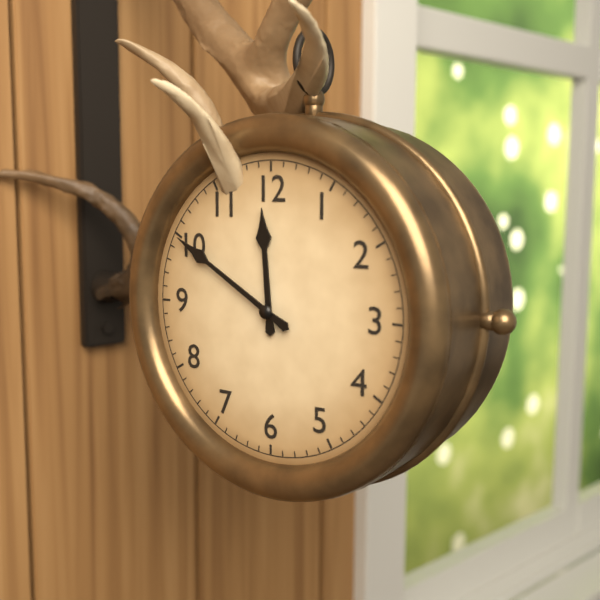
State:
11h50
